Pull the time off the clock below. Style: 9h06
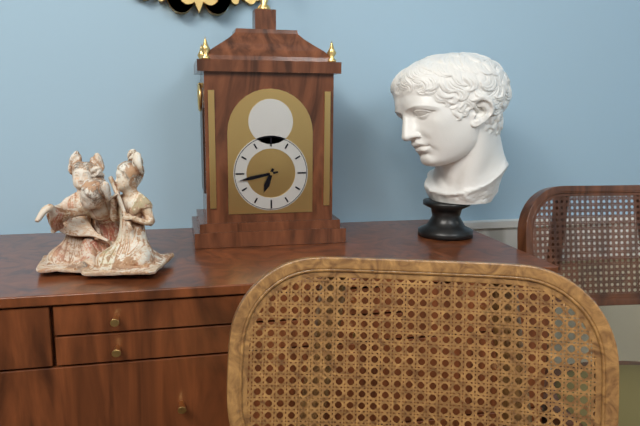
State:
6h43
